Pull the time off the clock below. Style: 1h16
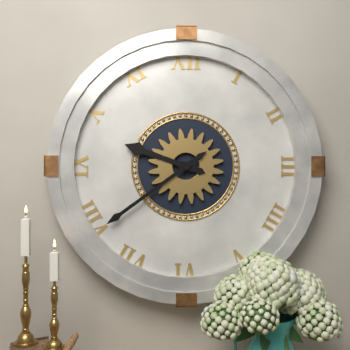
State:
9h39
